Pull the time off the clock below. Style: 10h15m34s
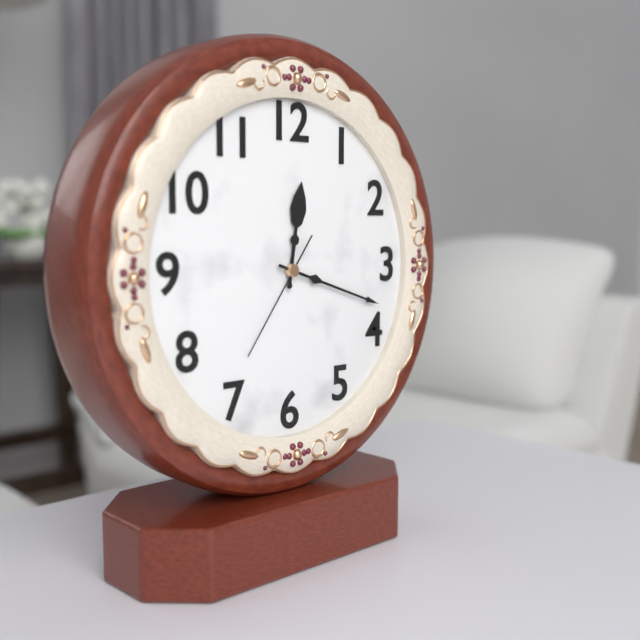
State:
12h18m36s
